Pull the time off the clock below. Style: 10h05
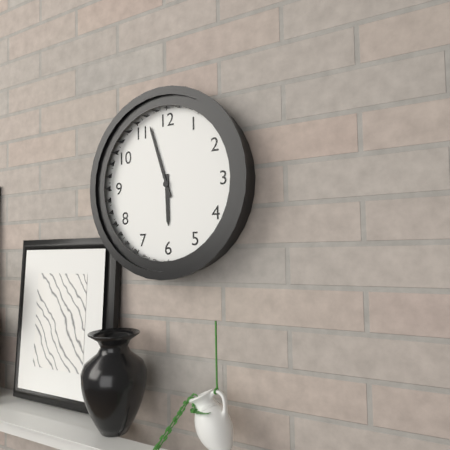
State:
5h57
